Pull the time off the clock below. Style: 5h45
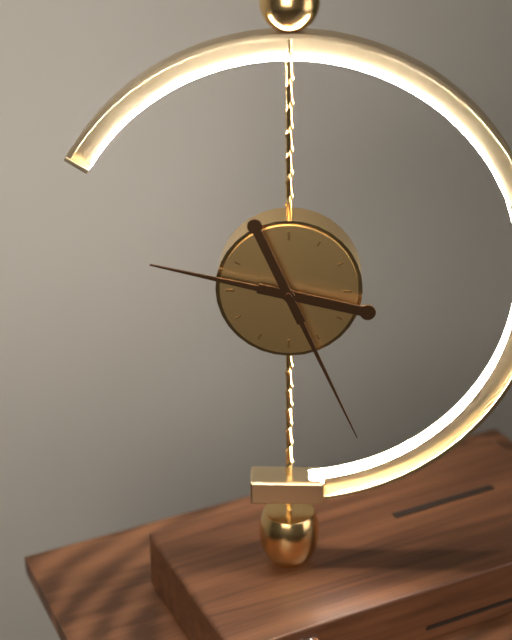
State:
9h26
